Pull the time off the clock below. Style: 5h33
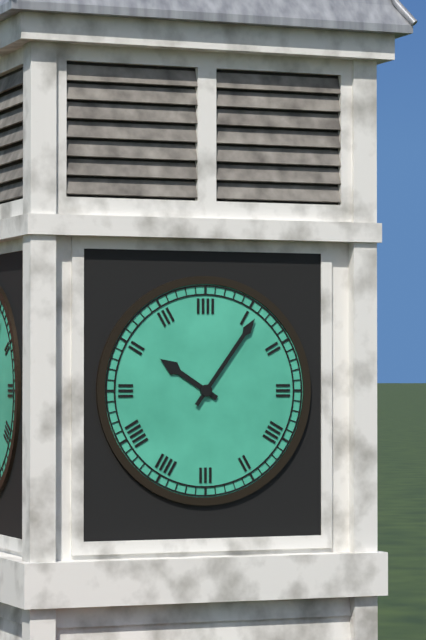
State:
10h06
